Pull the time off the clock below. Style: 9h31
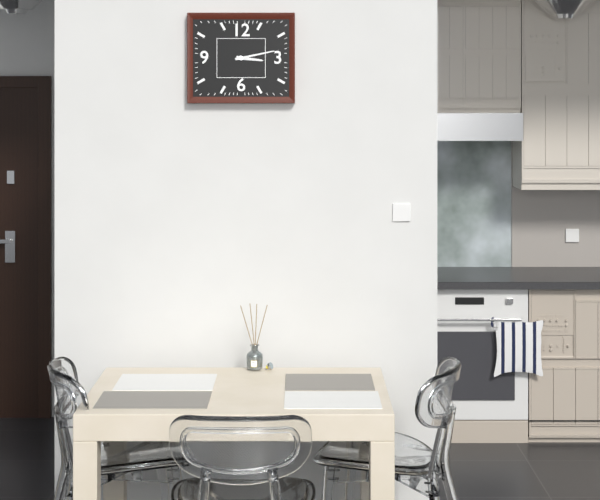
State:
3h13
